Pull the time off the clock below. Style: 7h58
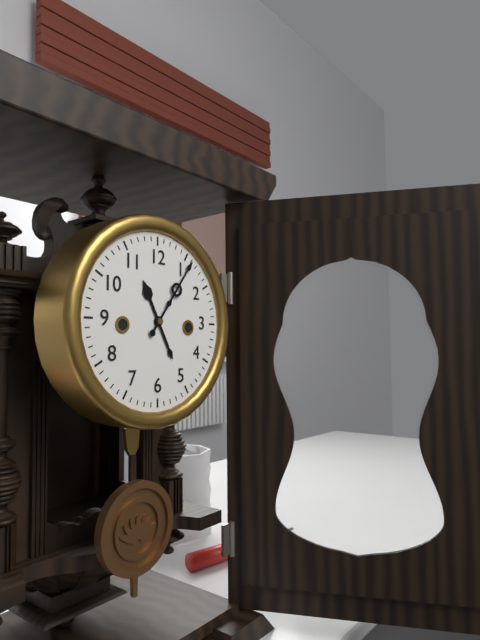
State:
11h06
